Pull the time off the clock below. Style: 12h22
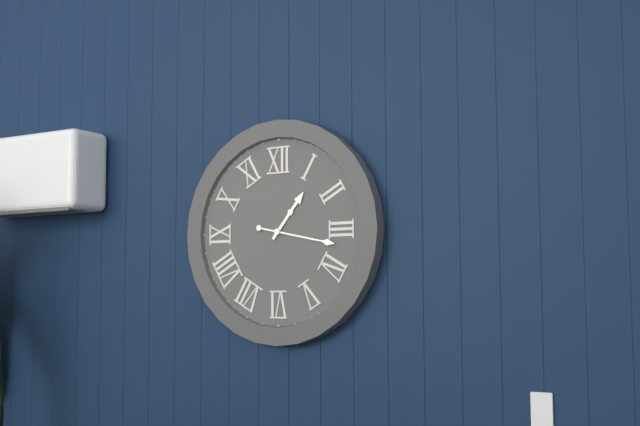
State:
1h17
